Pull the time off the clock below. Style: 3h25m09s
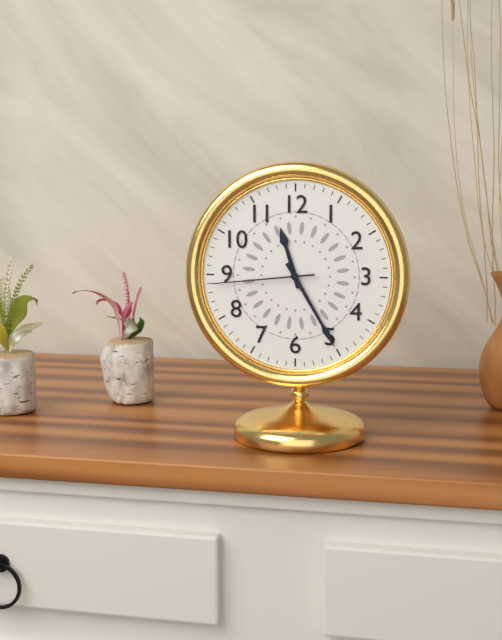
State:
11h25m44s
